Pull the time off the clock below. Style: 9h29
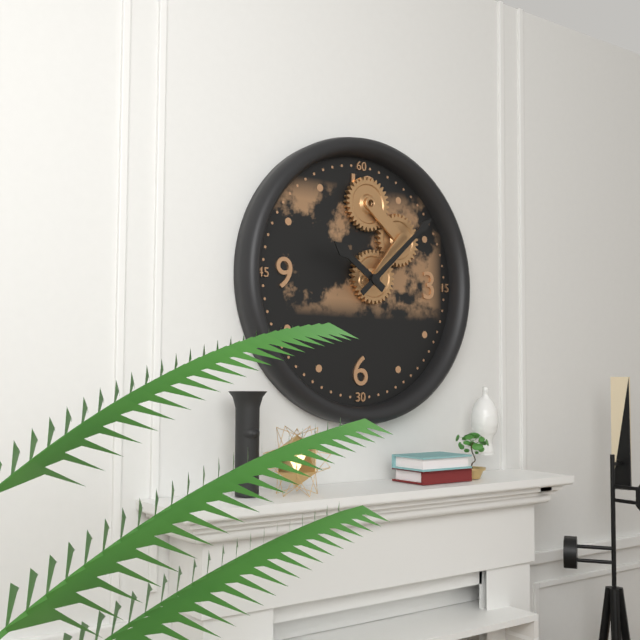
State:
10h08
